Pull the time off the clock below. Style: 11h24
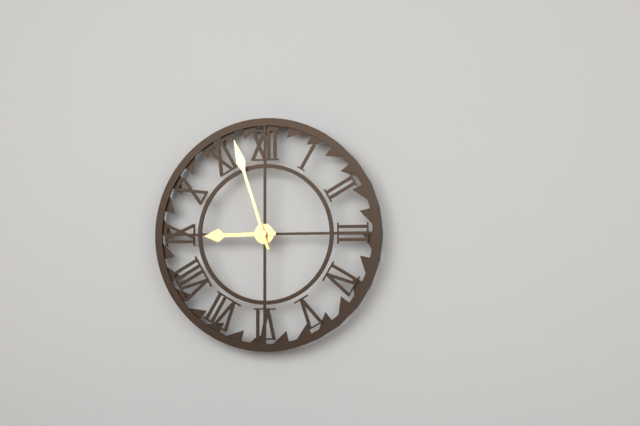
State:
8h57
